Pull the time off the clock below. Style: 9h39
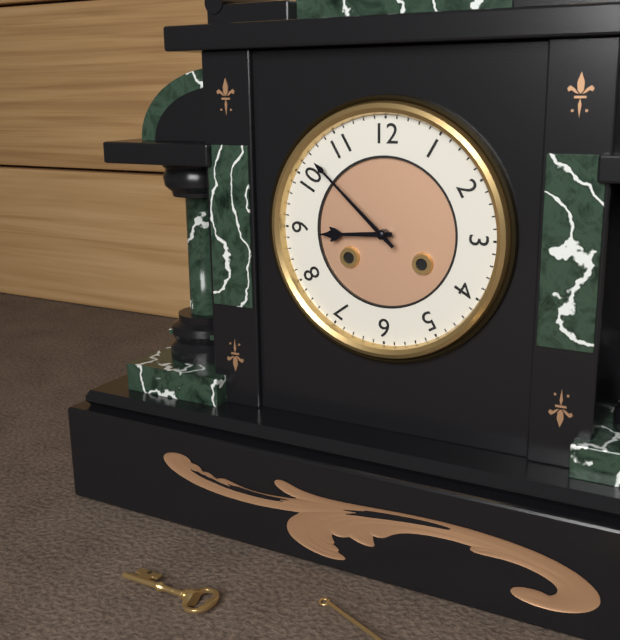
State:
8h52
